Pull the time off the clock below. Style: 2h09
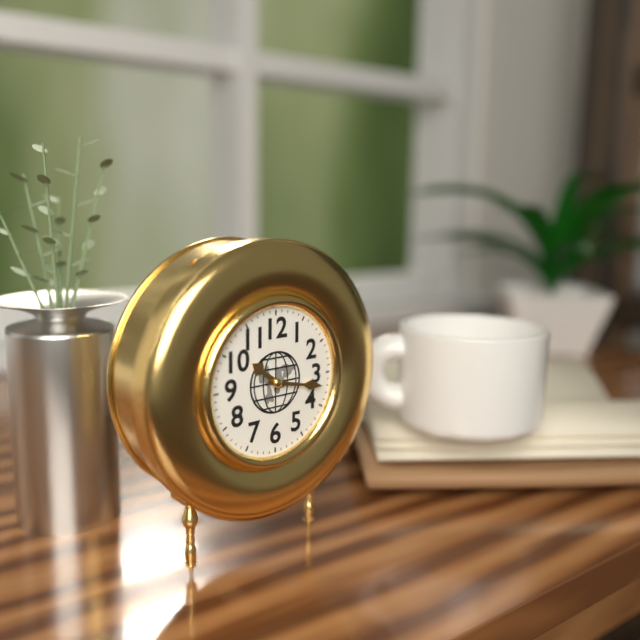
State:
10h17
